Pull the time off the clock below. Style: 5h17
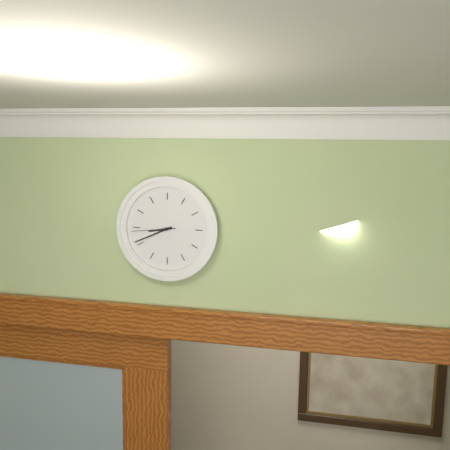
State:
8h41
